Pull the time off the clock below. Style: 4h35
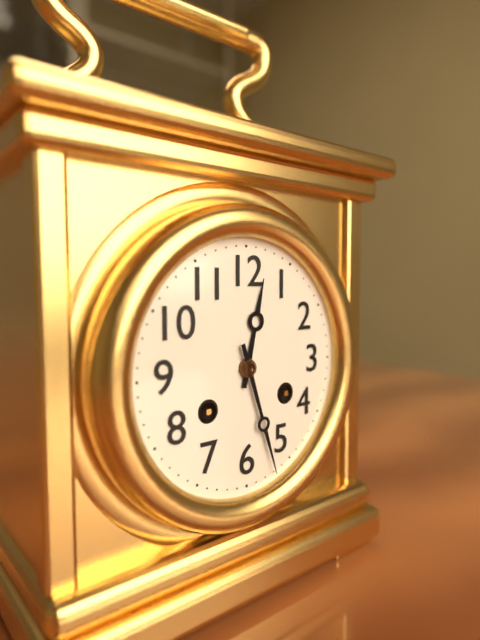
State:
12h27
